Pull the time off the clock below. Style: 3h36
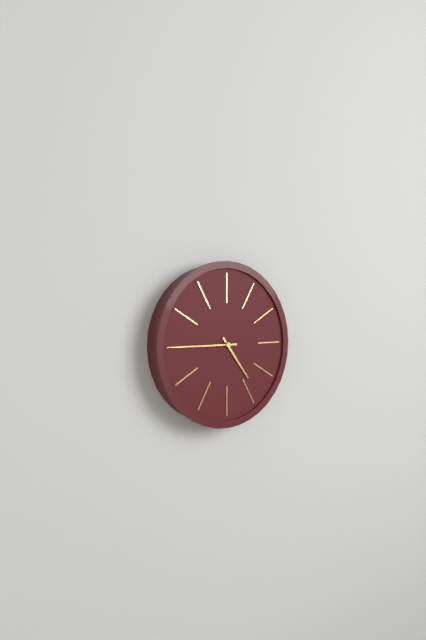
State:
4h45
